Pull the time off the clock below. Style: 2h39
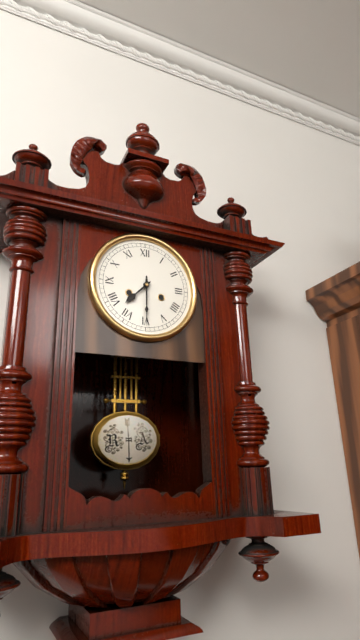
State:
7h30
